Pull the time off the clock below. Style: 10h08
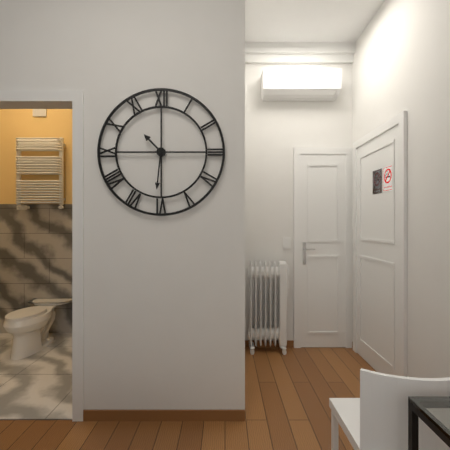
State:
10h31
